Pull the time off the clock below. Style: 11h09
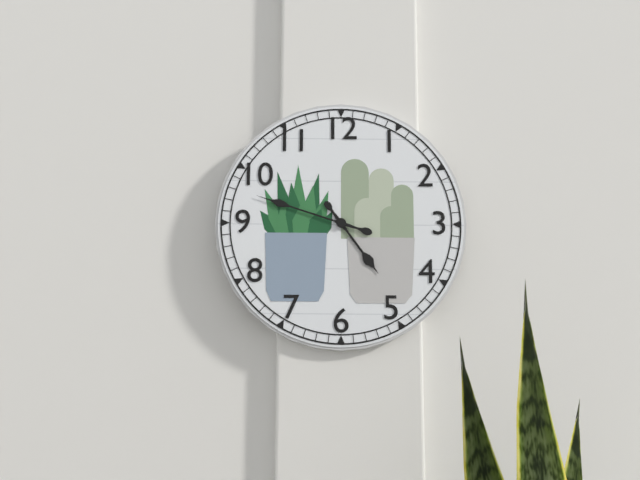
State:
4h48
